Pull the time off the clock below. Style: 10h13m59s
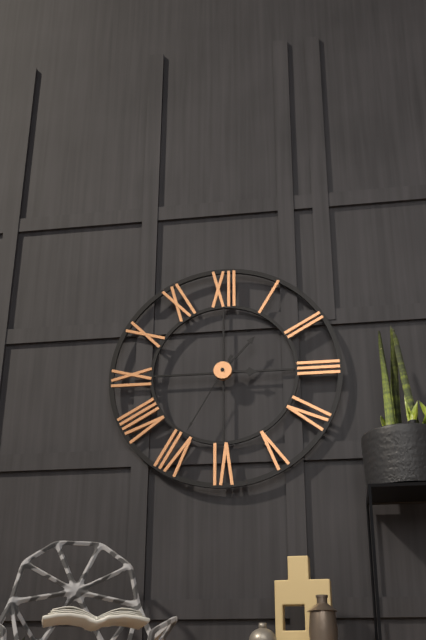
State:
3h07m35s
